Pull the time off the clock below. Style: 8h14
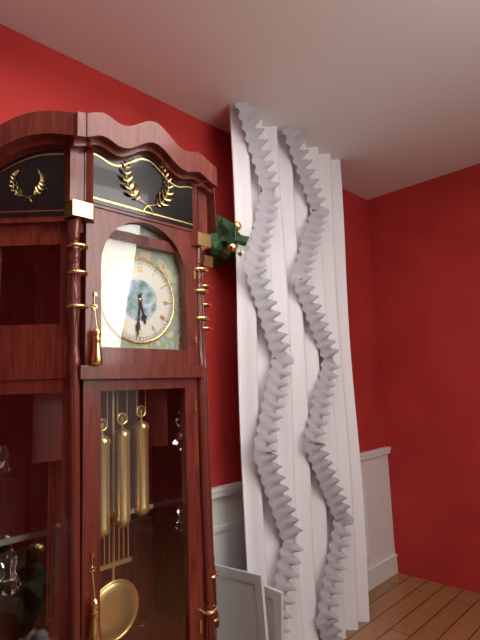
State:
5h31
